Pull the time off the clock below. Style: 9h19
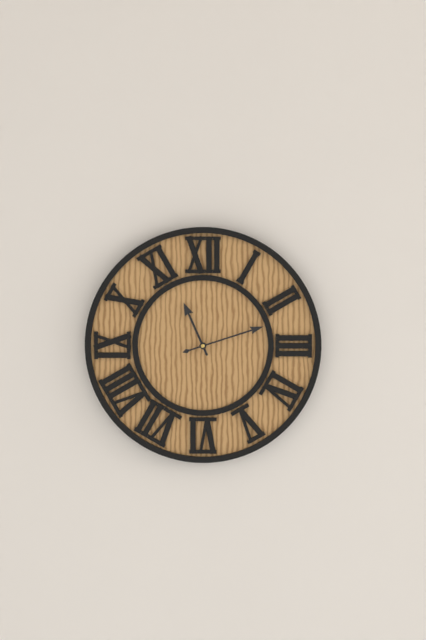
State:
11h12
